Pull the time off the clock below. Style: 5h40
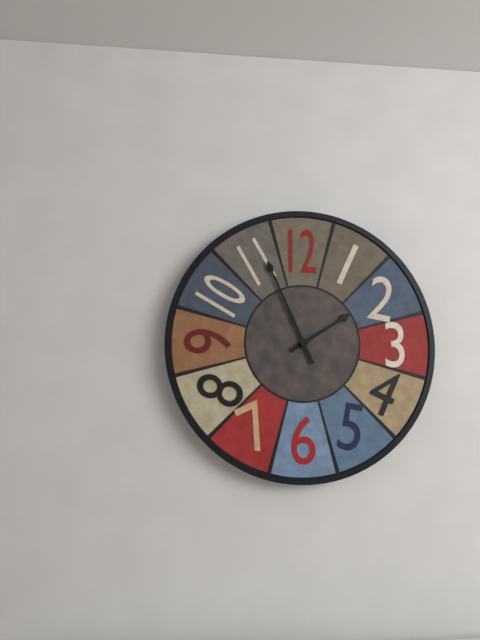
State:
1h56
